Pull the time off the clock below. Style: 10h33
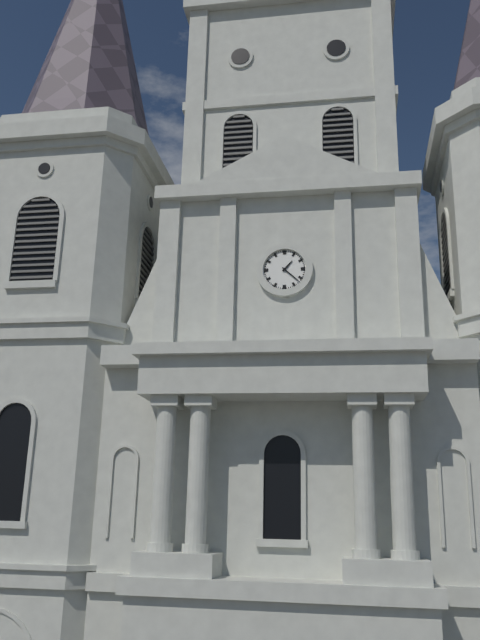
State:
1h22
